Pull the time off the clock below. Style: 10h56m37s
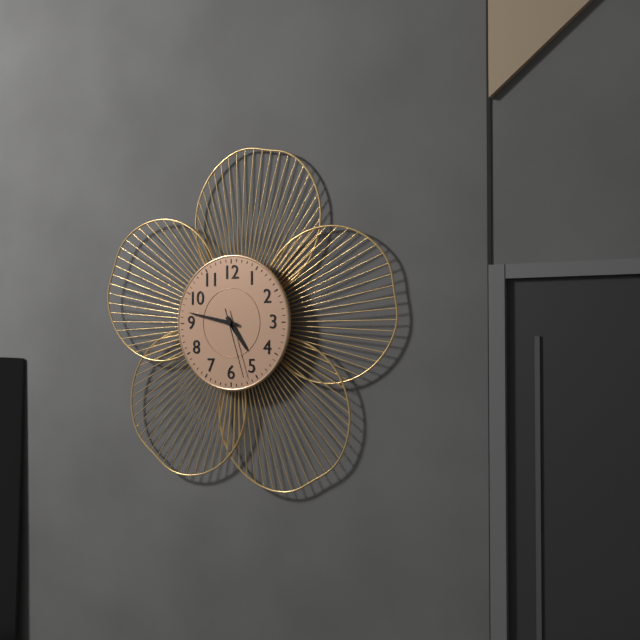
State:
4h47m27s
